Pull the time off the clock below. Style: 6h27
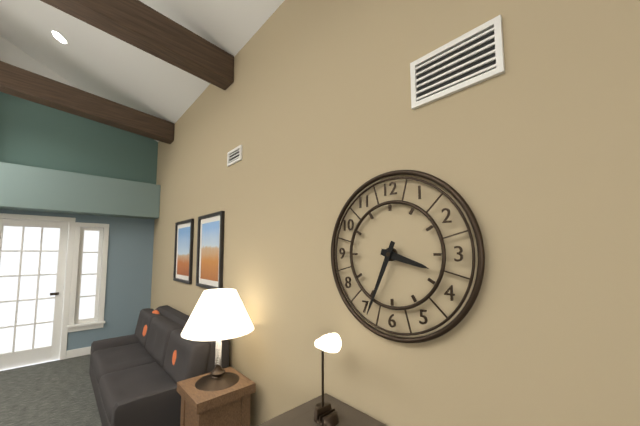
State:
3h34
